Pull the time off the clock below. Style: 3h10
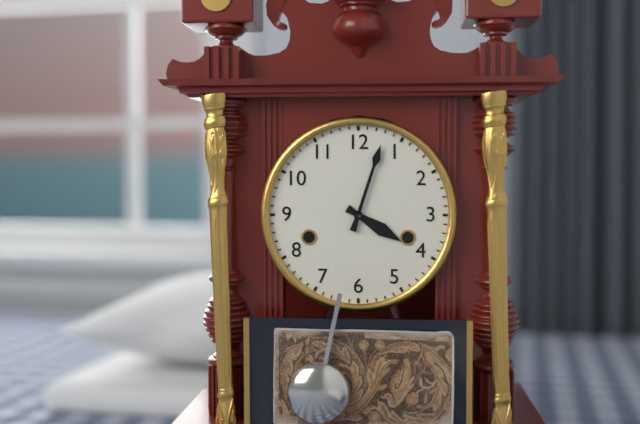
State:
4h03
